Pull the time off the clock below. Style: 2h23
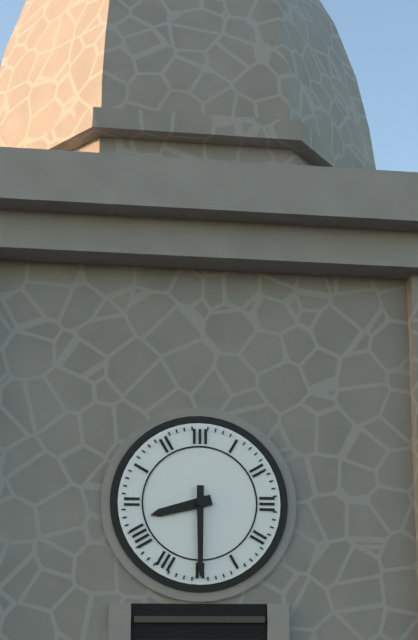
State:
8h30
